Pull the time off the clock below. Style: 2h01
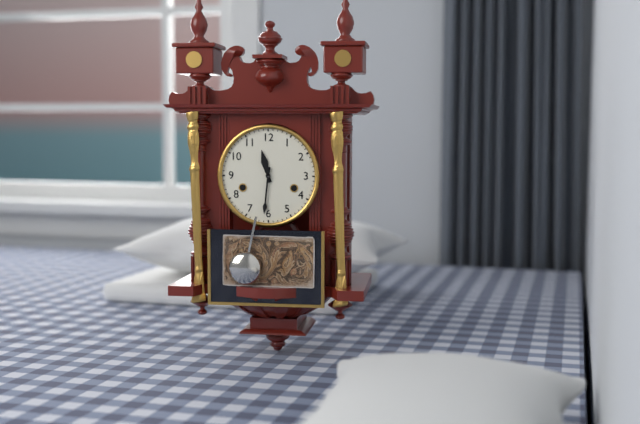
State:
11h31
